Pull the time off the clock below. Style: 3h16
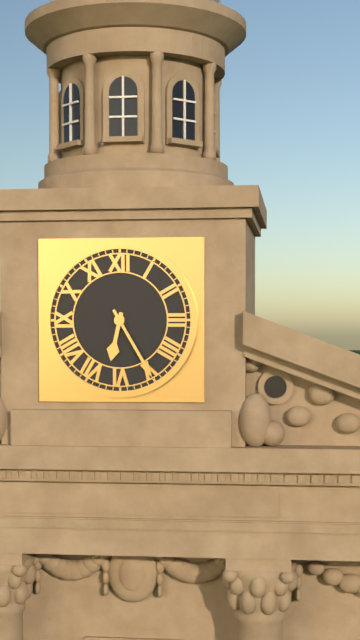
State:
6h25
